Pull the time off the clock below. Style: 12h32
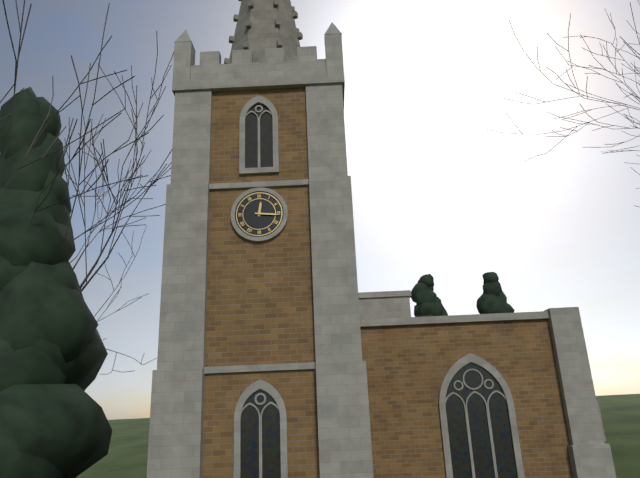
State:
12h16
